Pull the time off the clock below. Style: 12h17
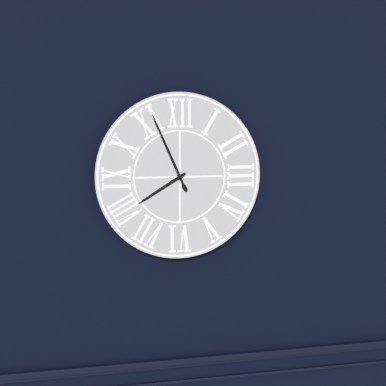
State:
7h56
